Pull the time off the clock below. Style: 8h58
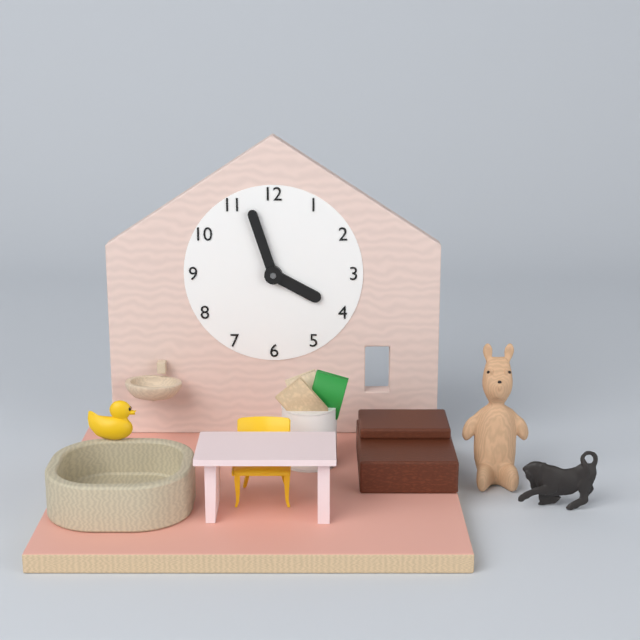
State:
3h57
